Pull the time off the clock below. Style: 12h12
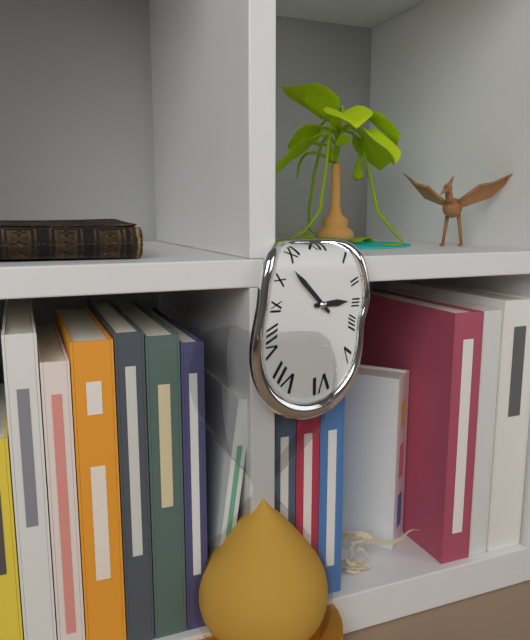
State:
2h53
